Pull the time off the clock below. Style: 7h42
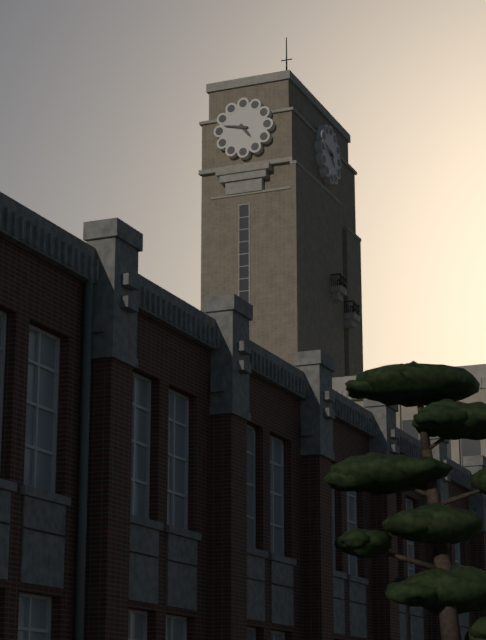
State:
4h47
